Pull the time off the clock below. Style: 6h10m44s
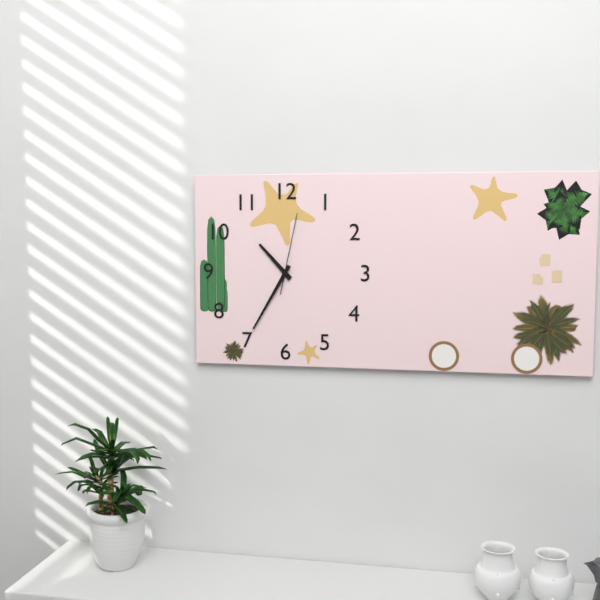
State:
10h35m02s
